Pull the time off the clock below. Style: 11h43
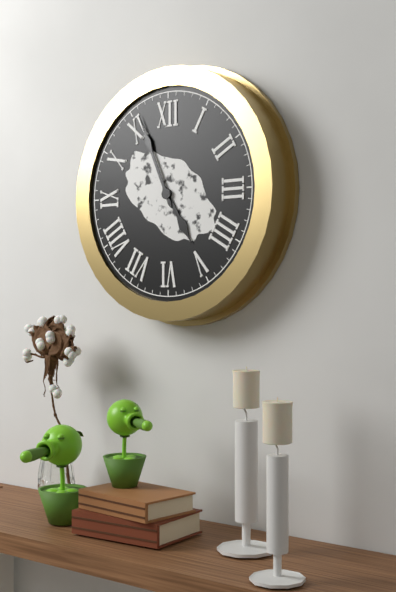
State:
4h56
